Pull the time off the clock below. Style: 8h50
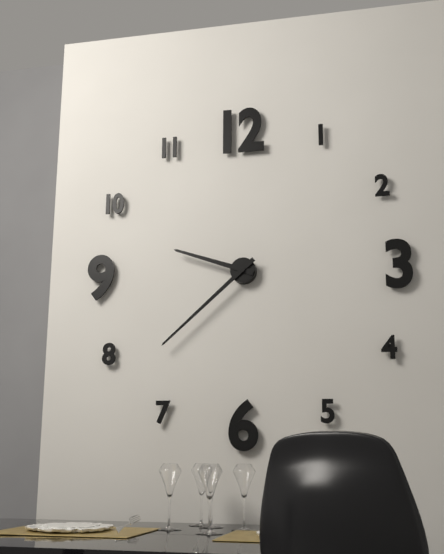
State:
9h38
